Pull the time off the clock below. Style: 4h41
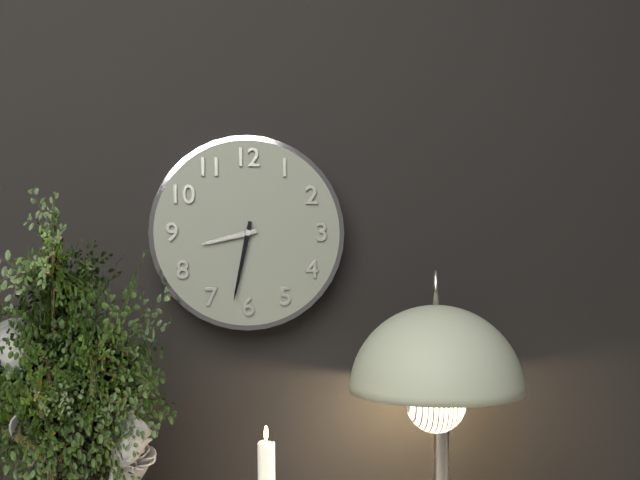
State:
8h32
